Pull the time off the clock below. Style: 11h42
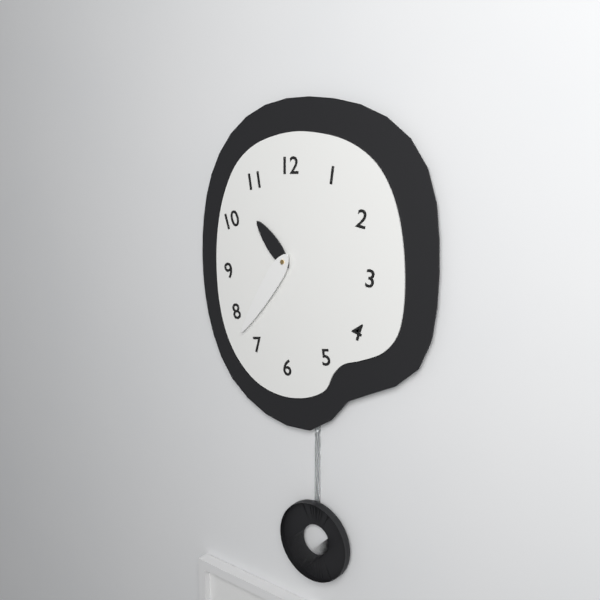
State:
10h36
